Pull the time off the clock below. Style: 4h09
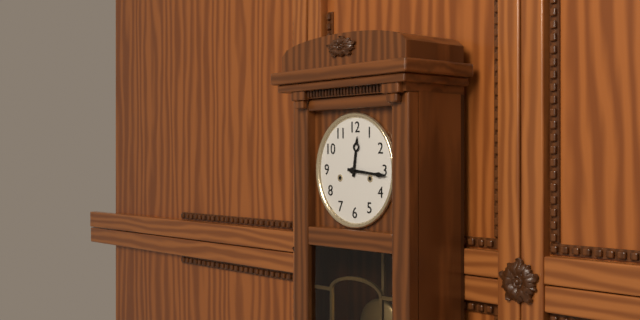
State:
12h16
